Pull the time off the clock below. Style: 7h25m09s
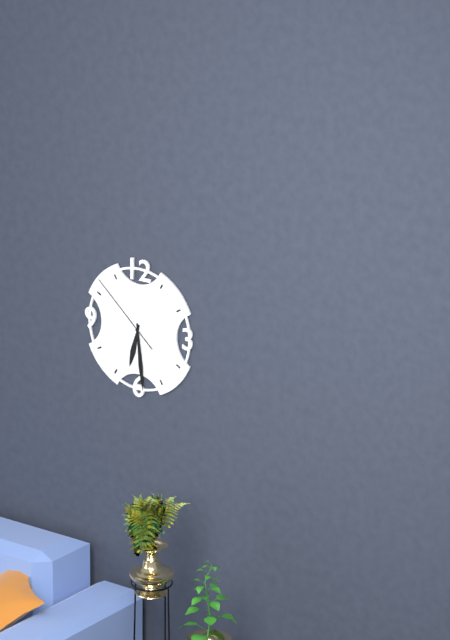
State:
6h29m52s
